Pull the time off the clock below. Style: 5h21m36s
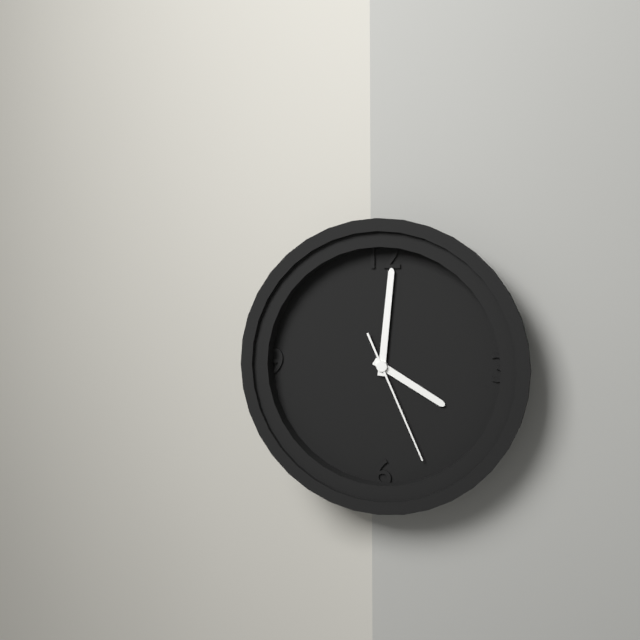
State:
4h01m26s
